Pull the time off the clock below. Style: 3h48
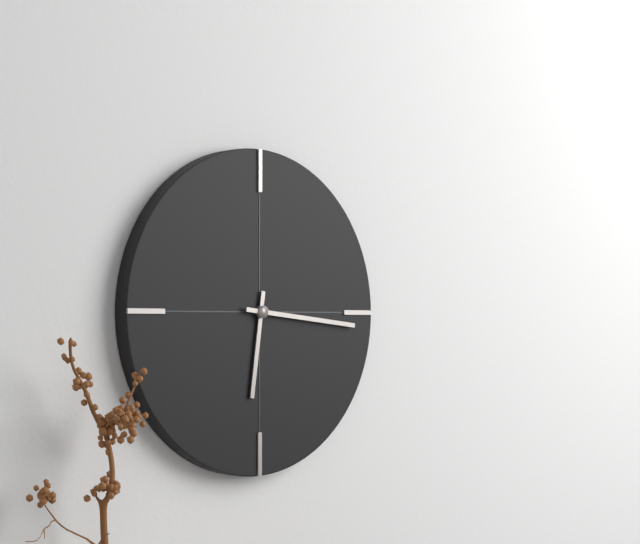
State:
6h16
